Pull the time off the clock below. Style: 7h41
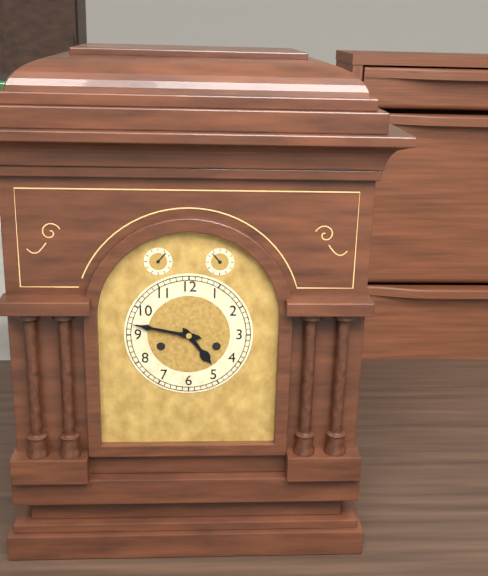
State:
4h47
